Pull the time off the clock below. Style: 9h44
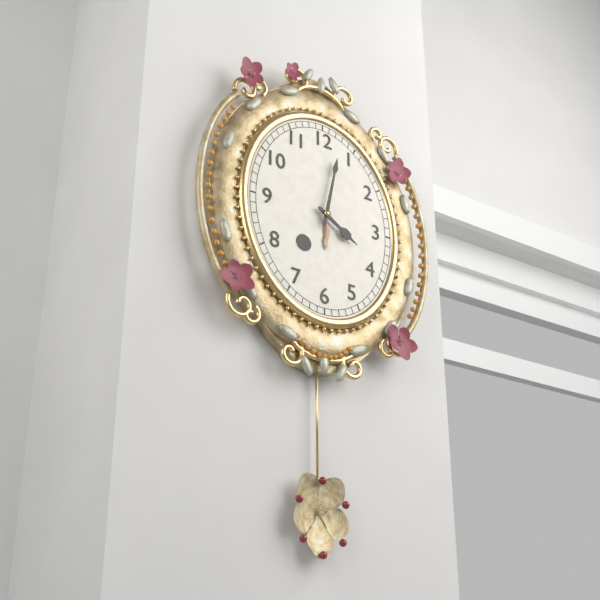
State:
4h02
